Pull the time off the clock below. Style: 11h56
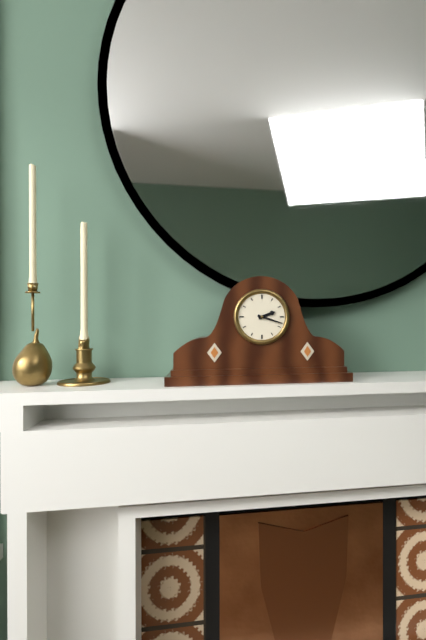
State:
2h18
